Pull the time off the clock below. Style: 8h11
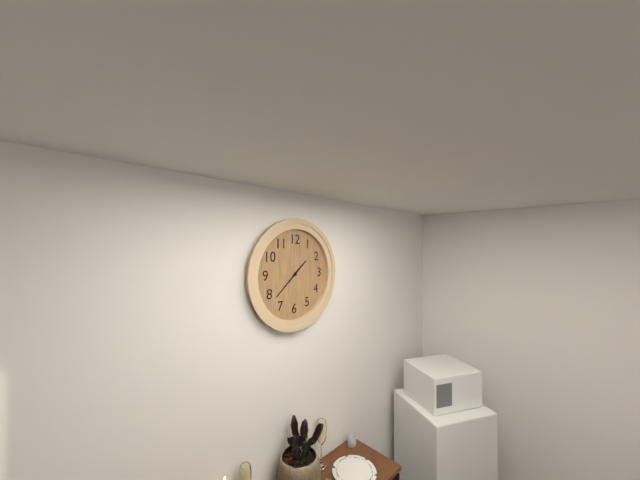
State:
1h38
